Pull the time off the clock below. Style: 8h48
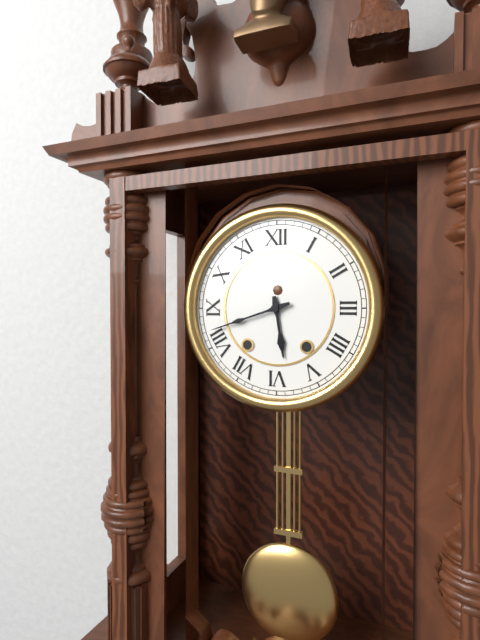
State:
5h42
